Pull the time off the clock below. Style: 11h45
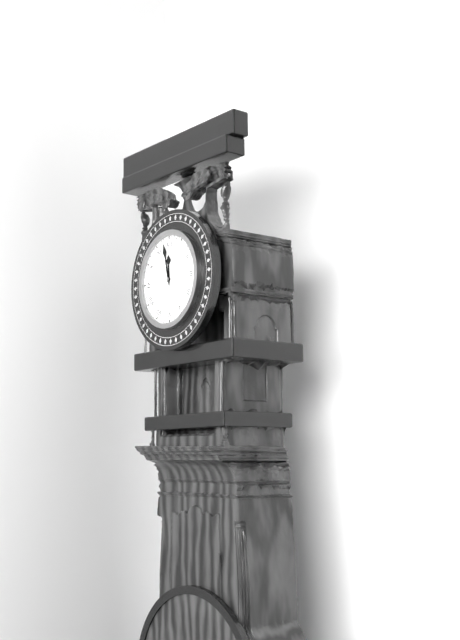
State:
11h58
